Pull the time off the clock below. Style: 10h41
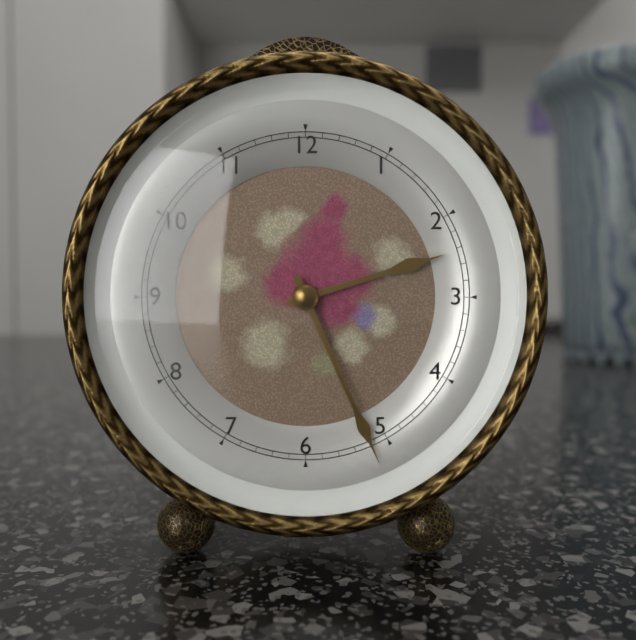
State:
2h26
